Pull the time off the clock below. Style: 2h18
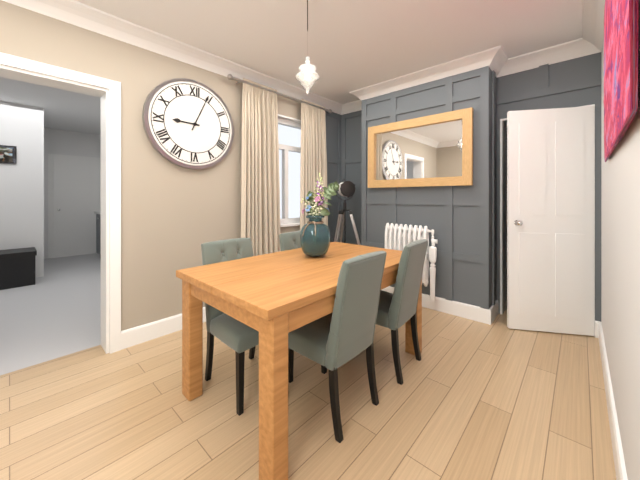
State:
9h04
